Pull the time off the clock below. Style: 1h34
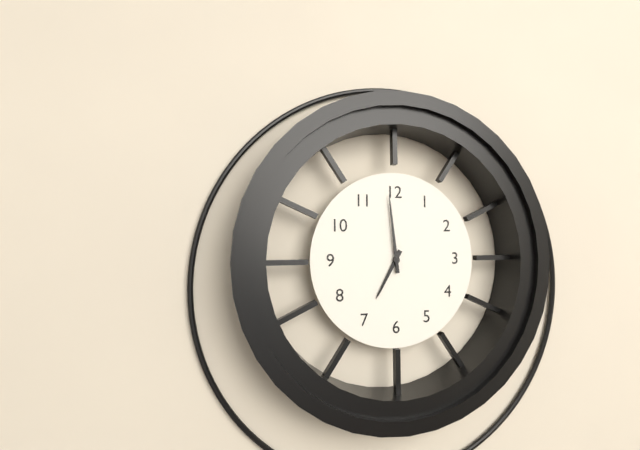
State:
6h59
